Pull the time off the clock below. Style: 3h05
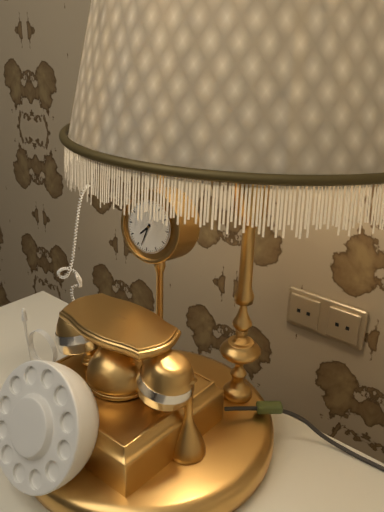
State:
7h33
